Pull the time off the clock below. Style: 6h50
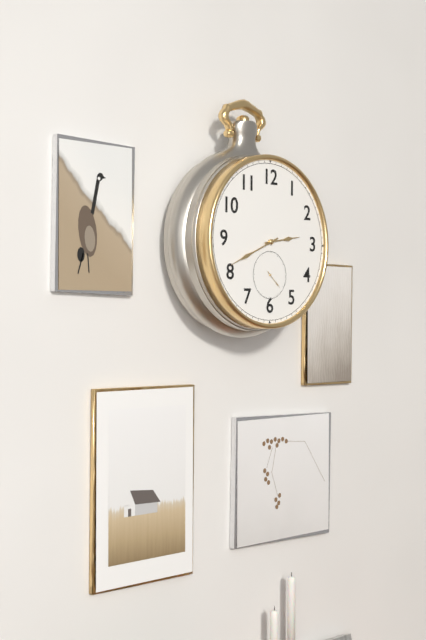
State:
2h41
